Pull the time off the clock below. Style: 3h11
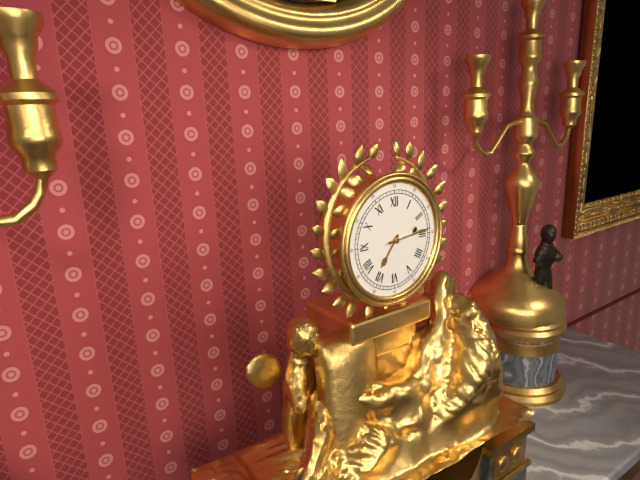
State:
7h14
